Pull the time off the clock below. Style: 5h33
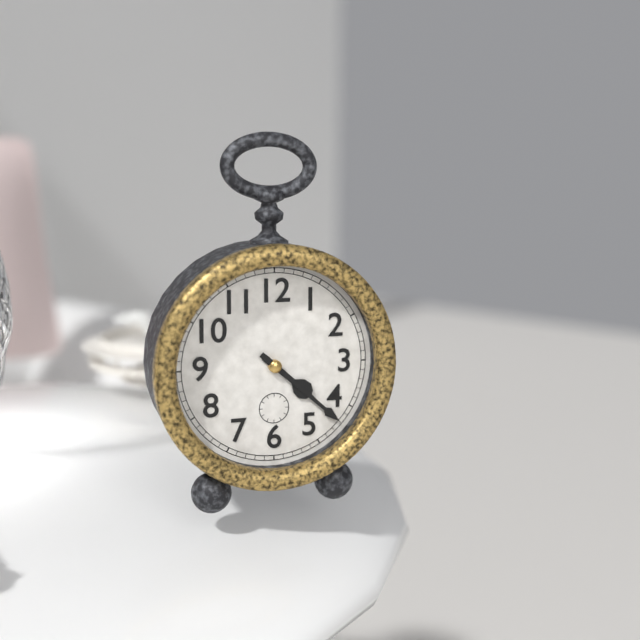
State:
4h22
